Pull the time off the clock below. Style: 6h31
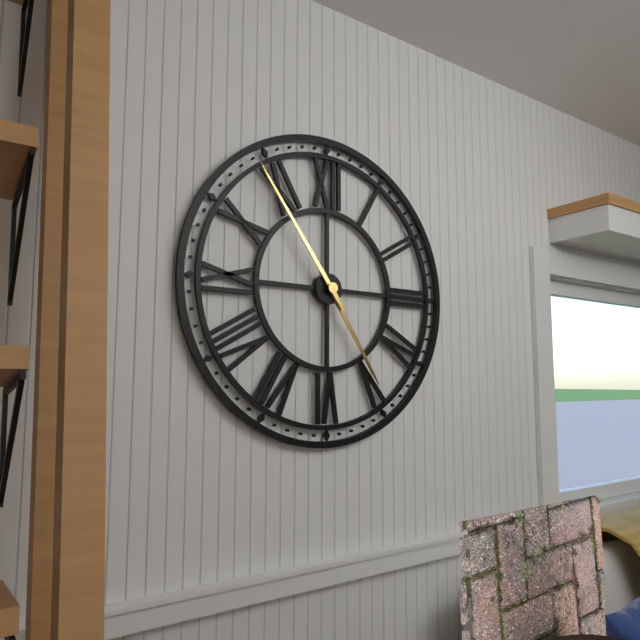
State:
4h54
